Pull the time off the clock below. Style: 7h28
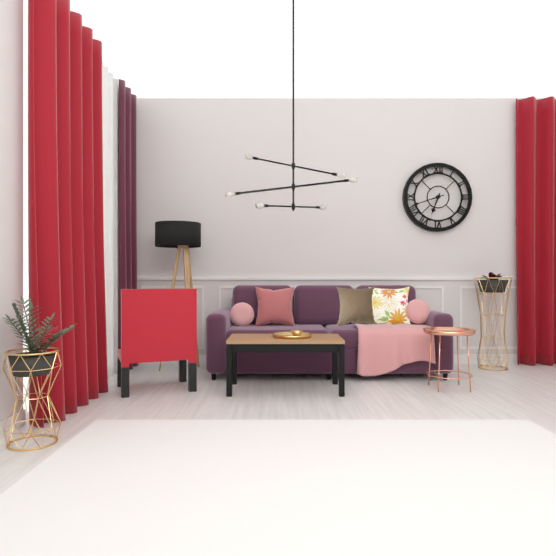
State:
6h42
